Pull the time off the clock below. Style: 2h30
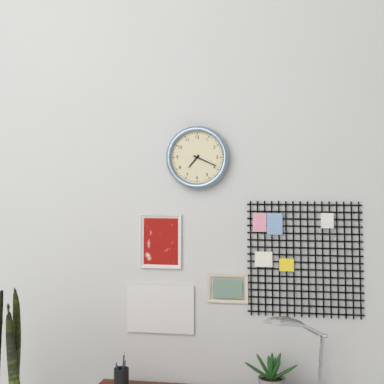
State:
7h19
